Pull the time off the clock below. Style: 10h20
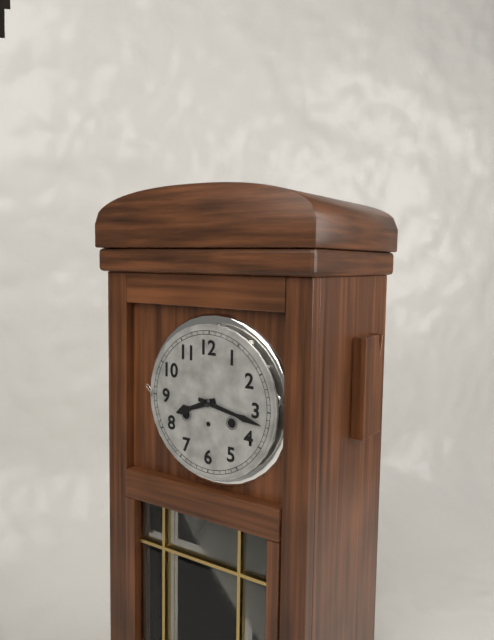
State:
8h17
